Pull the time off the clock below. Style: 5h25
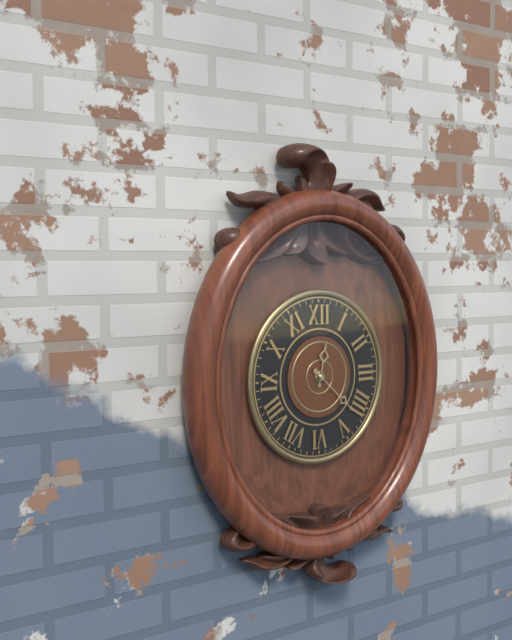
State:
12h22
